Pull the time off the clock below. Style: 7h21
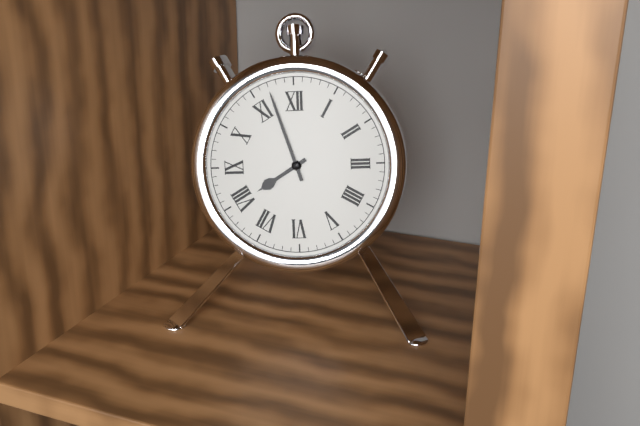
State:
7h57
